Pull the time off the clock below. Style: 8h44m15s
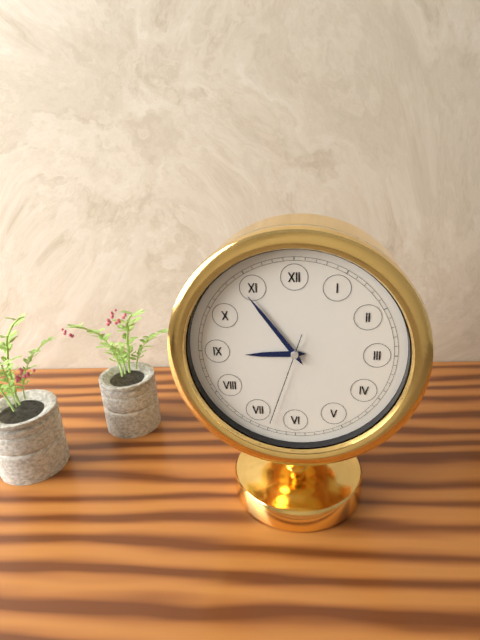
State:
8h54m33s
